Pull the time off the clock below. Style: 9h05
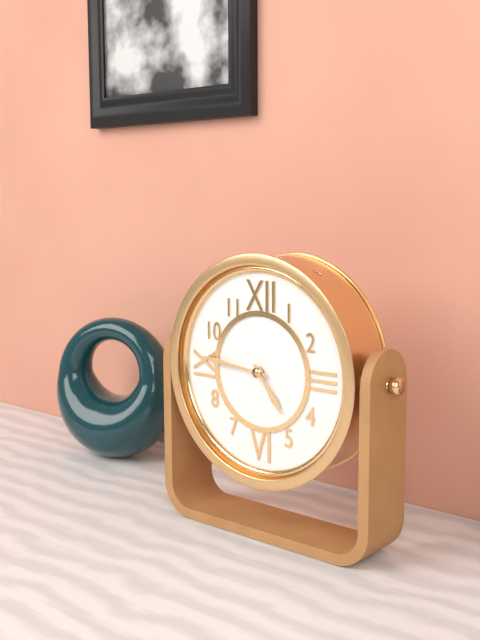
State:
4h46
